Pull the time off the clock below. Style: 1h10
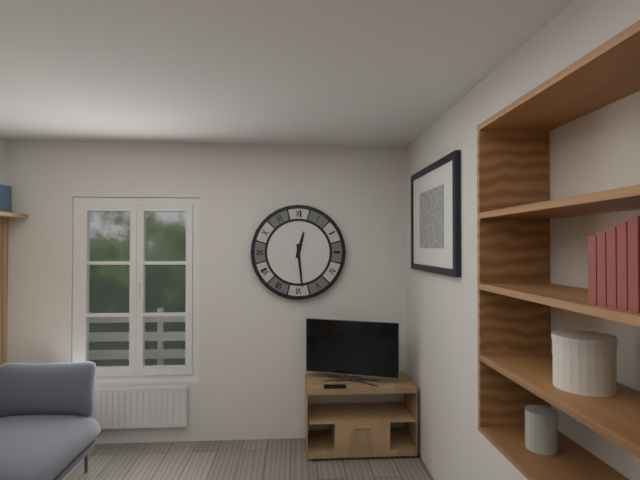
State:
12h29
